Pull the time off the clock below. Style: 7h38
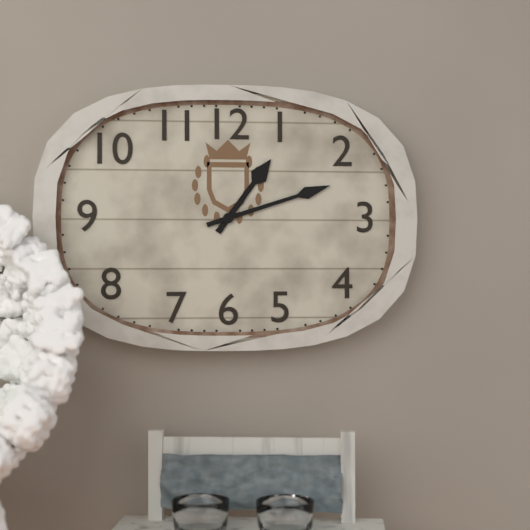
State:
1h12
